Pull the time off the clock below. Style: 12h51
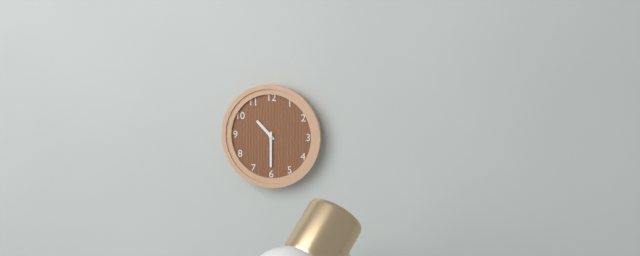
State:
10h30
